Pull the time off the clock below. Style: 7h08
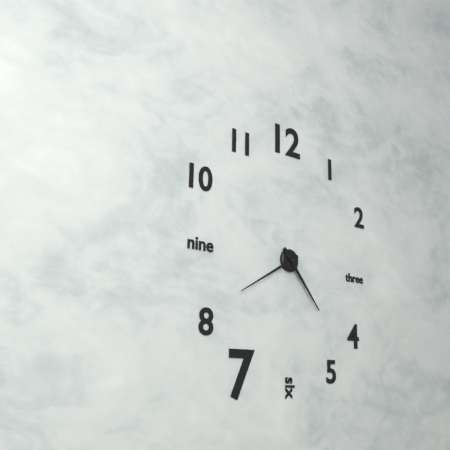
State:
4h40
